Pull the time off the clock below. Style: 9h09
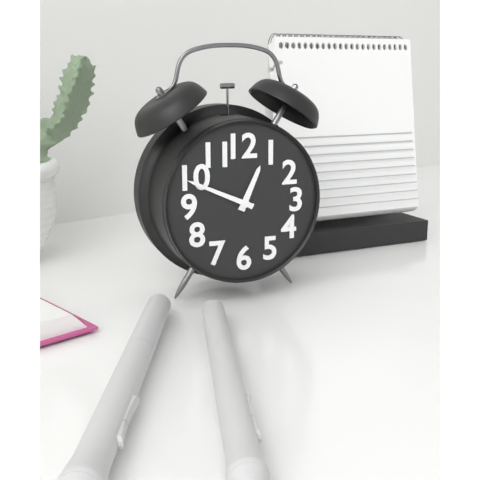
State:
12h49
